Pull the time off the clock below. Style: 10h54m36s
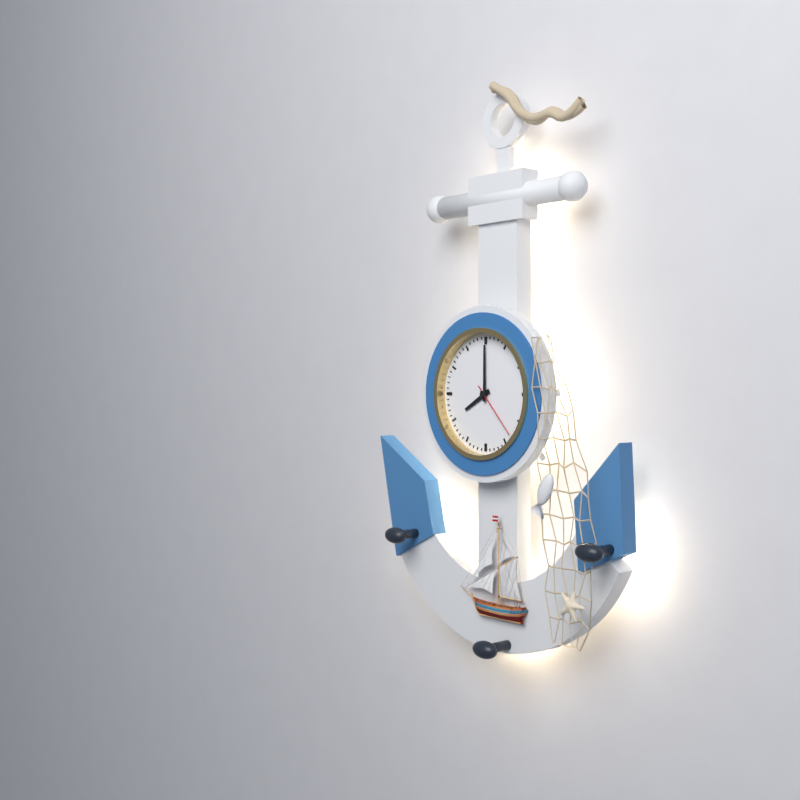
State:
8h00m23s
